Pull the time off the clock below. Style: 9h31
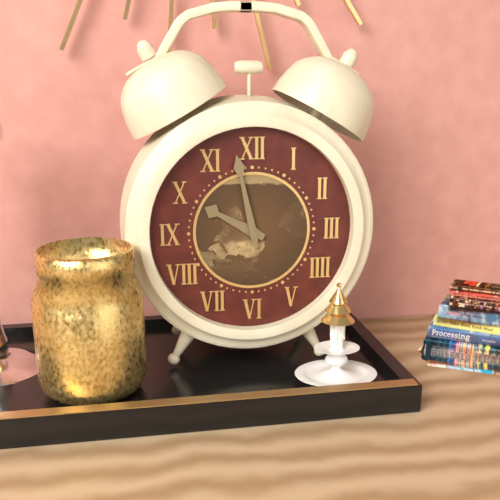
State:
9h58
